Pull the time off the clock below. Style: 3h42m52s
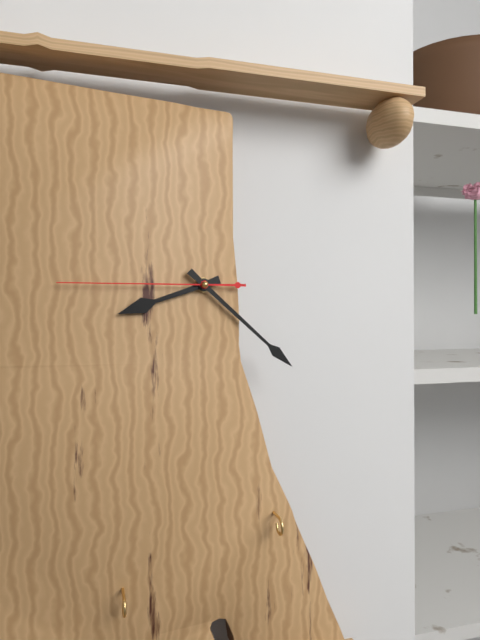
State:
8h22m45s
